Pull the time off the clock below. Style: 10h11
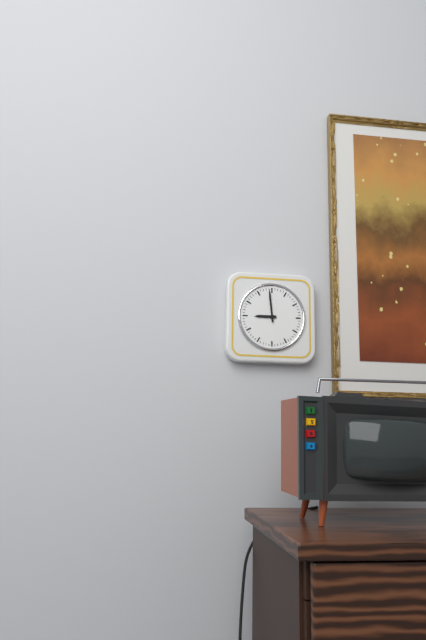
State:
8h59
